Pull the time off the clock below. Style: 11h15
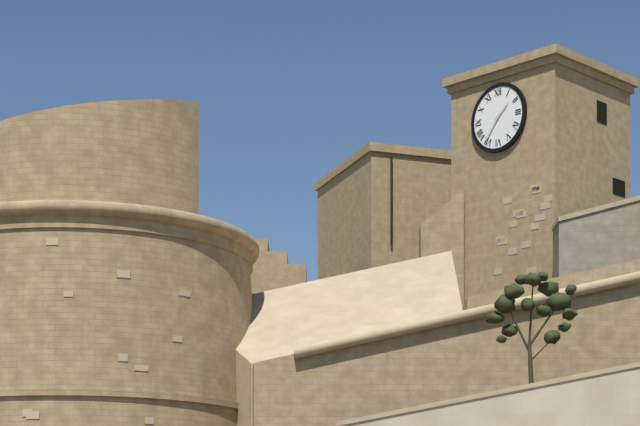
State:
1h36
